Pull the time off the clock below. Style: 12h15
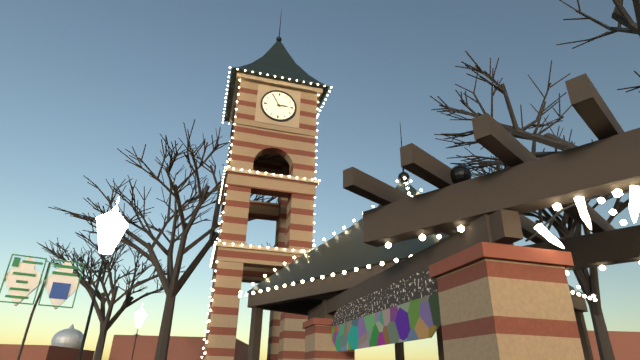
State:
2h55
